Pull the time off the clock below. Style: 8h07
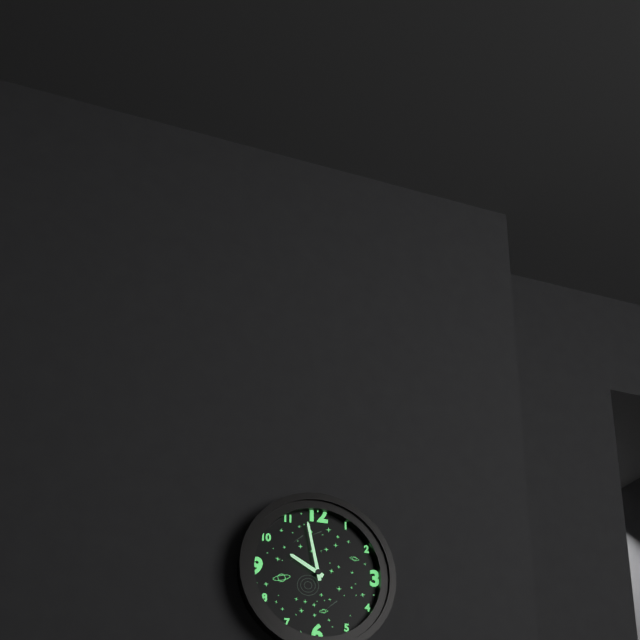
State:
9h58
